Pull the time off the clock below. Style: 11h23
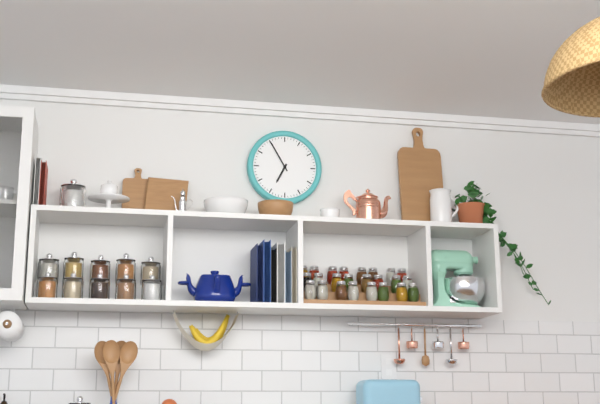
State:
6h55
